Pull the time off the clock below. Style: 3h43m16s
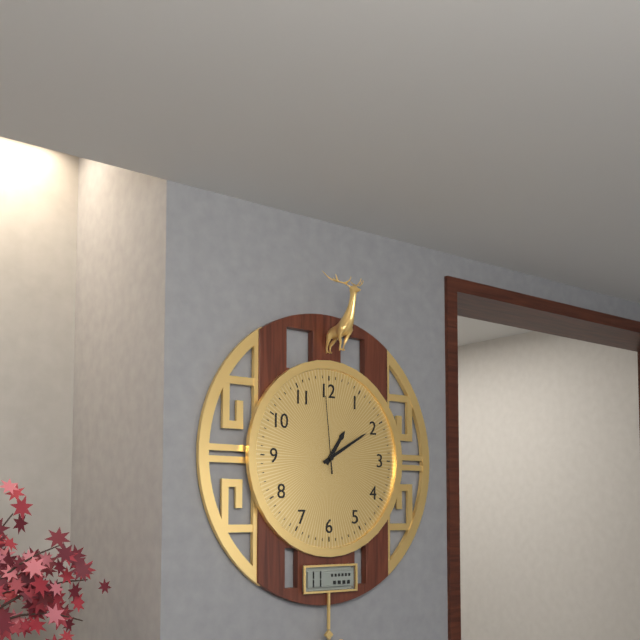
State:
1h10m59s
